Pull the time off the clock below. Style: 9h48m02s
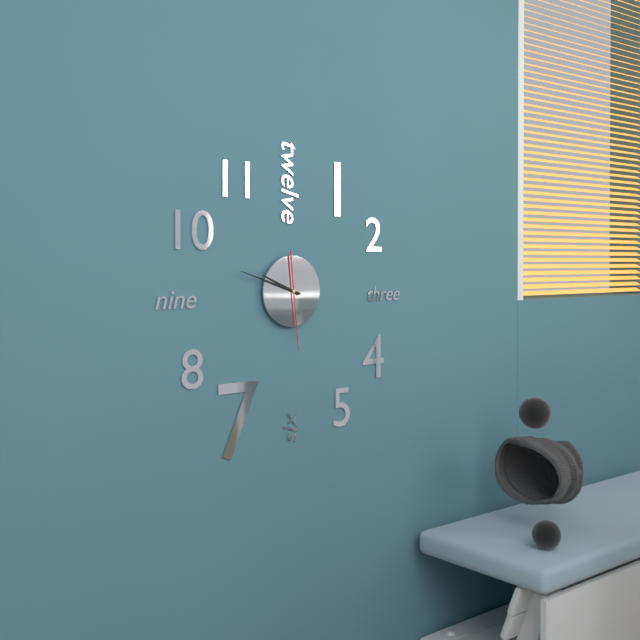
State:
9h48m29s
